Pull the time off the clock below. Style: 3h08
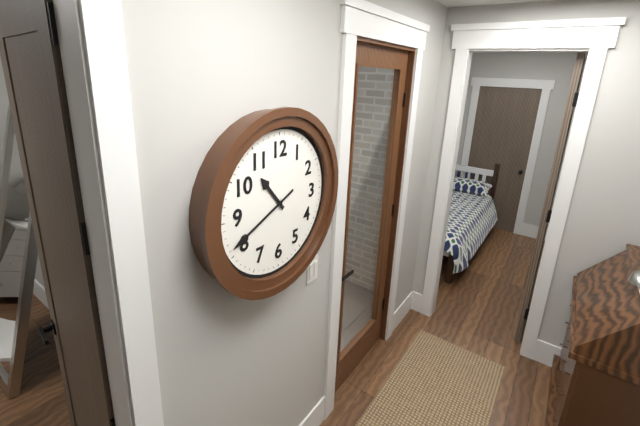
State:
10h41
